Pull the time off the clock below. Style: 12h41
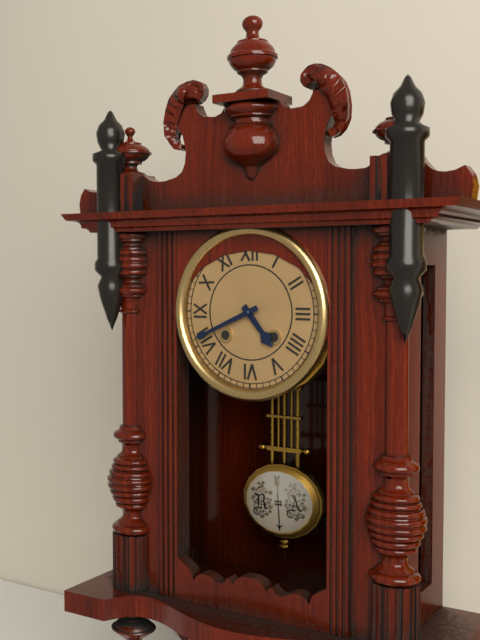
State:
4h41
